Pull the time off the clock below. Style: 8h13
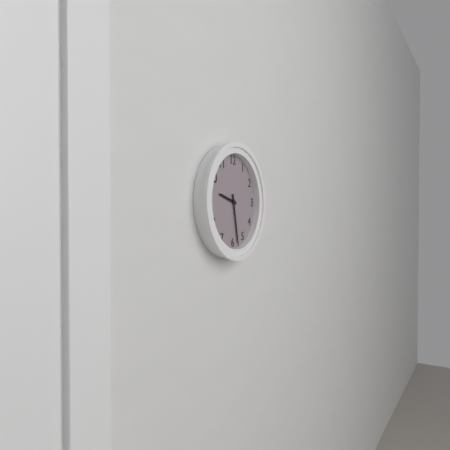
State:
9h28
